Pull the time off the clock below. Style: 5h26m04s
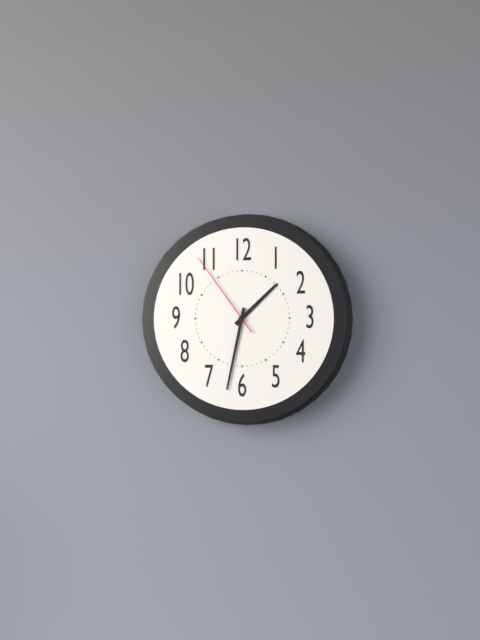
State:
1h32m54s
